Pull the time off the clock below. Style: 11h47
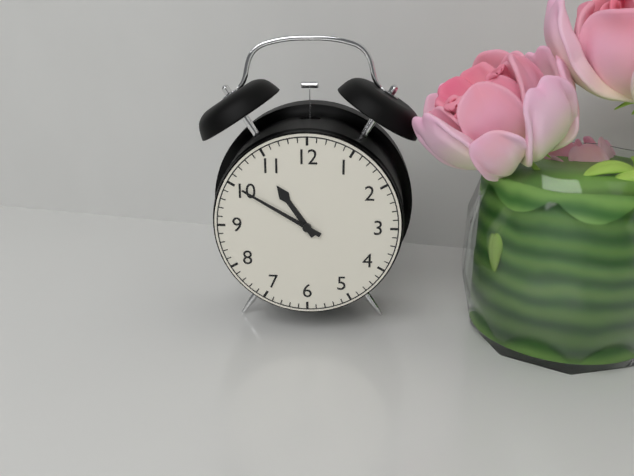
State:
10h50
